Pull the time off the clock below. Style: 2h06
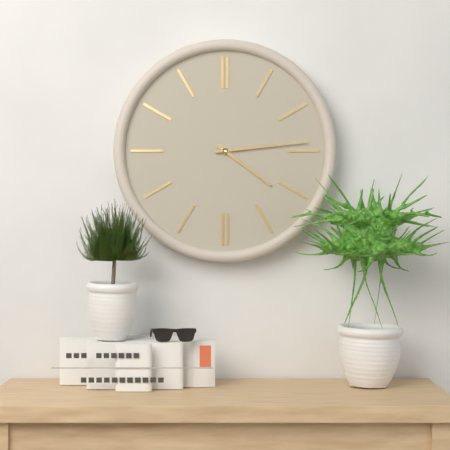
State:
4h14
